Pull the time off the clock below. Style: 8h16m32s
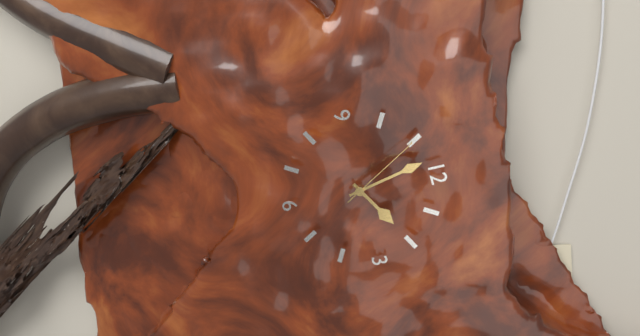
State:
1h58m55s
